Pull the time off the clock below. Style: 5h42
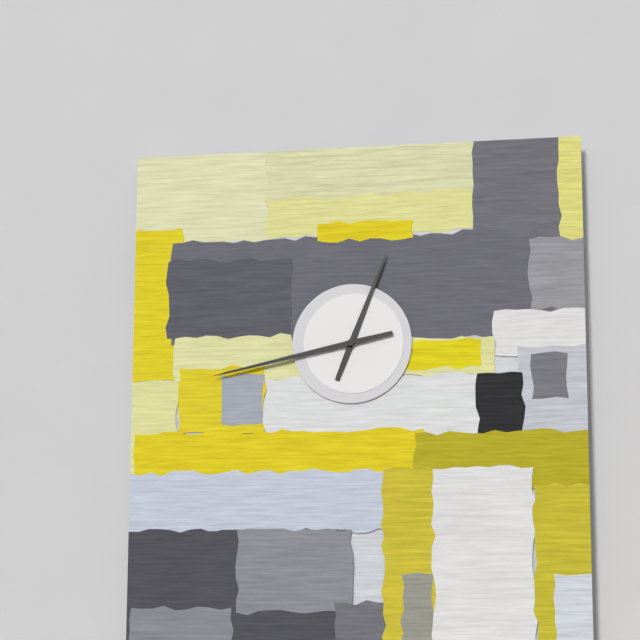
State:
12h43
